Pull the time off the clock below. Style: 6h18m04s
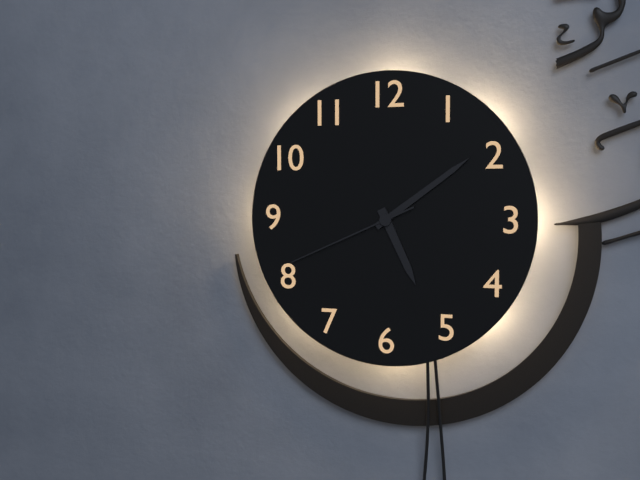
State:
5h09m41s
